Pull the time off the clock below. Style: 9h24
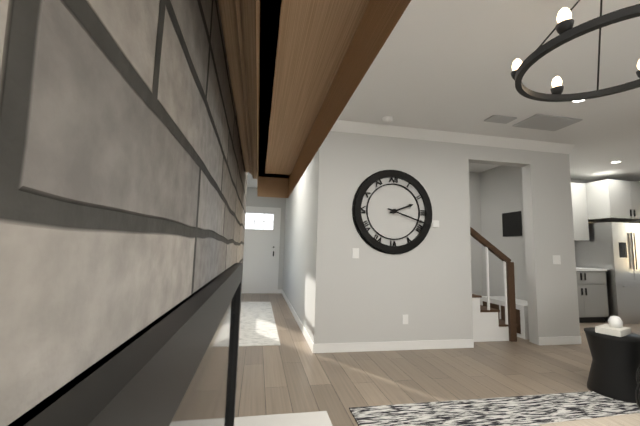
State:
2h18
